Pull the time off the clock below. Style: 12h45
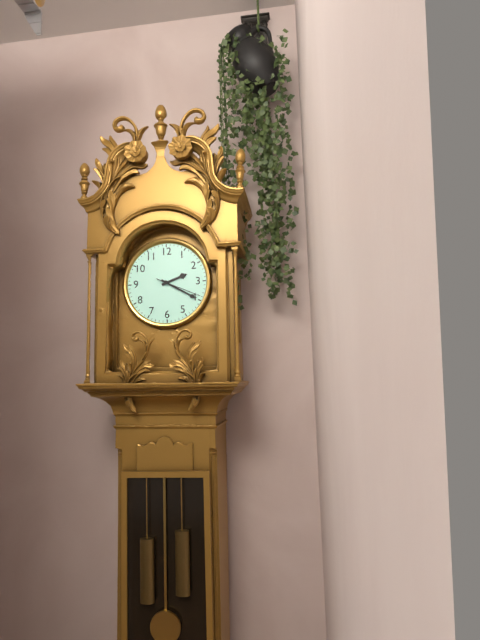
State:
2h20
